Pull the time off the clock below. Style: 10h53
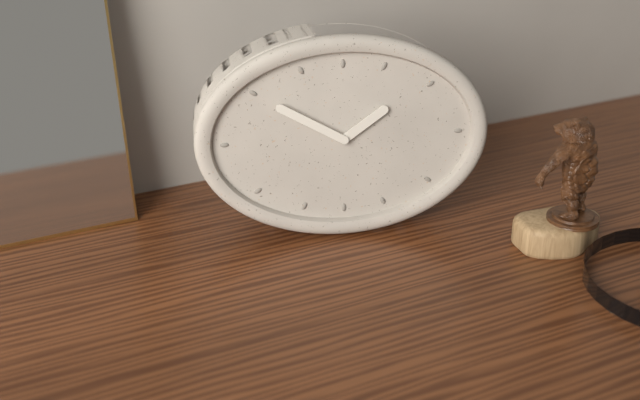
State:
1h50
